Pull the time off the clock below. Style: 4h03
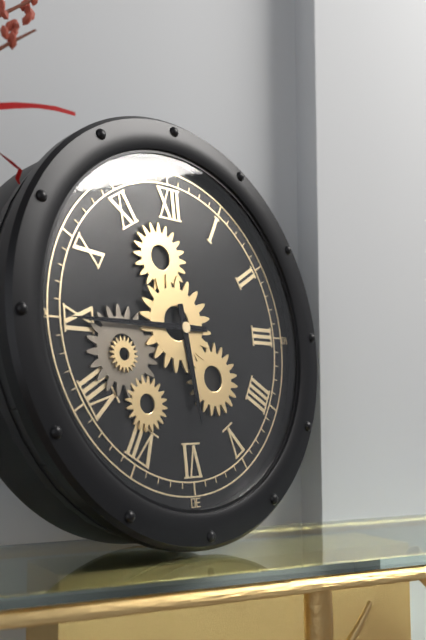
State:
5h45
